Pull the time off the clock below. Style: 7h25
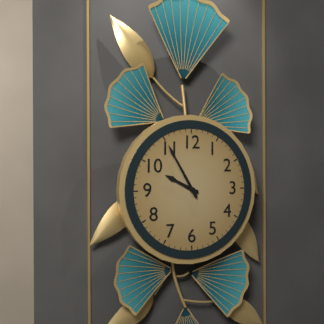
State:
9h55
